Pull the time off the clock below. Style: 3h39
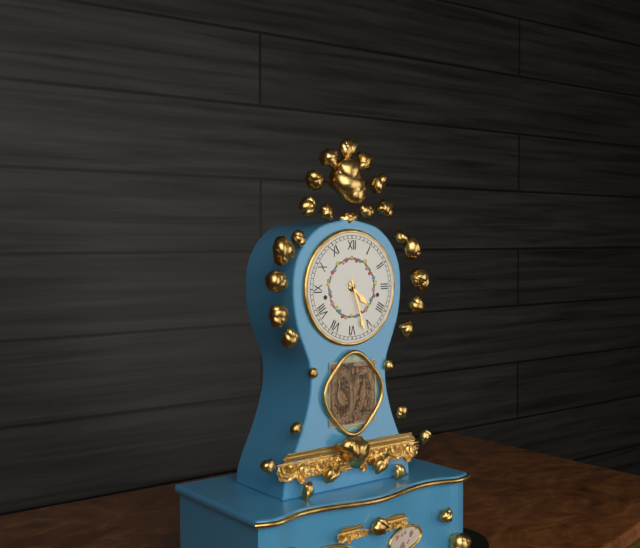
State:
4h27
